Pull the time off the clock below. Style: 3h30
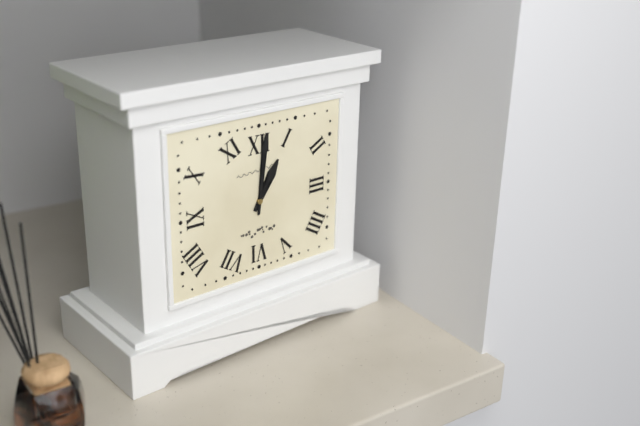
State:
1h01
